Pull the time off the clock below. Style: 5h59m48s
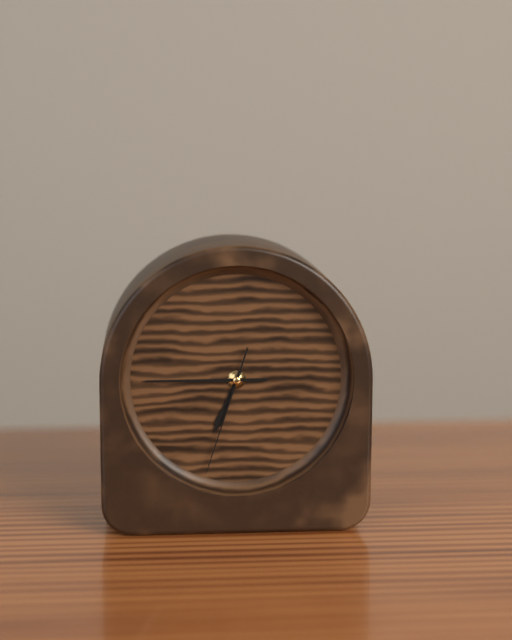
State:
6h45m33s
